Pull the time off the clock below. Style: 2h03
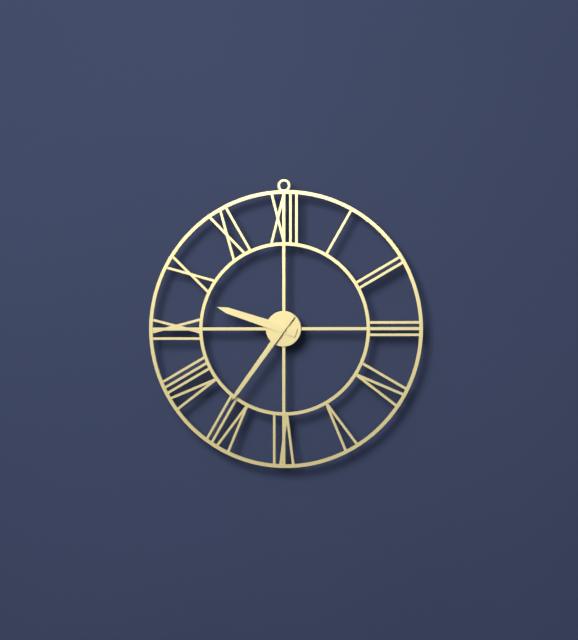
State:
9h36
